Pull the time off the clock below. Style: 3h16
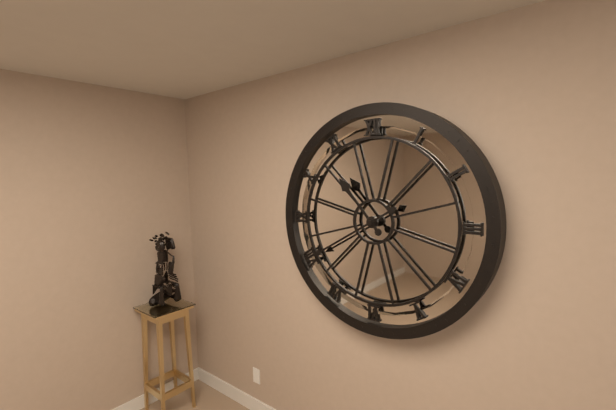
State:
10h40
